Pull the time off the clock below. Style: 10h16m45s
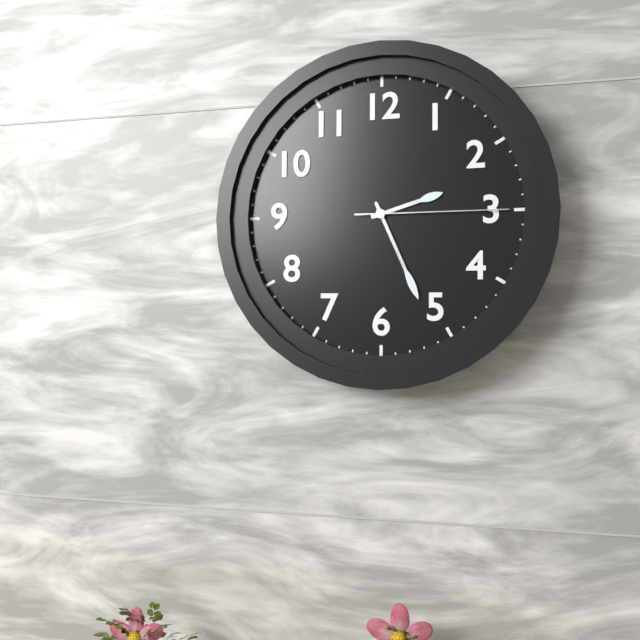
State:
2h26m15s
